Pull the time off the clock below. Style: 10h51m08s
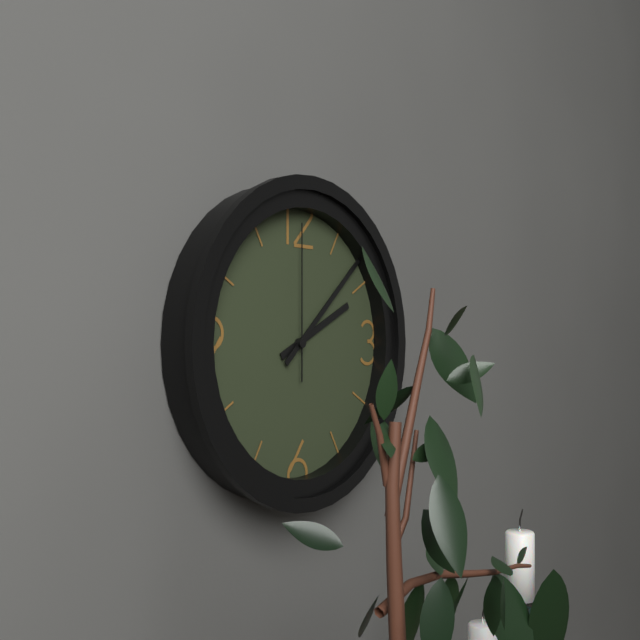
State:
2h08m00s
